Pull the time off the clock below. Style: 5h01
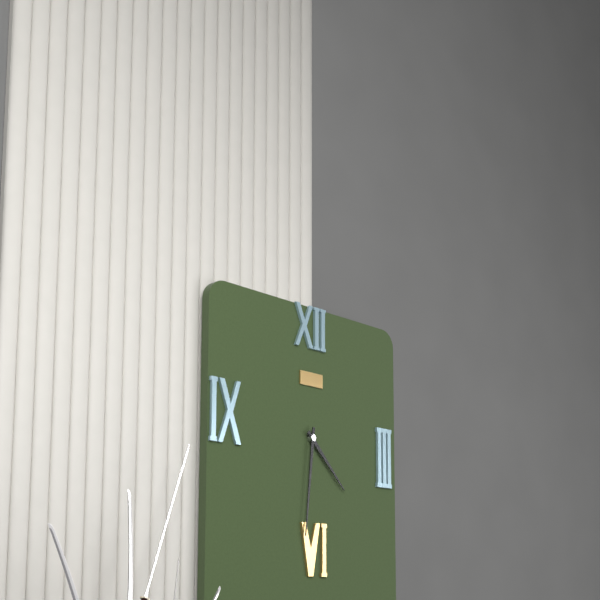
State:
4h31
